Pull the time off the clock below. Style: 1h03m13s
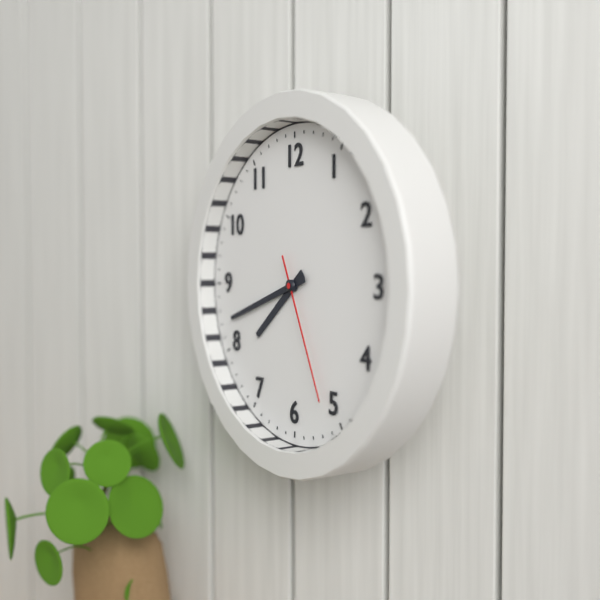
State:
7h42m26s
